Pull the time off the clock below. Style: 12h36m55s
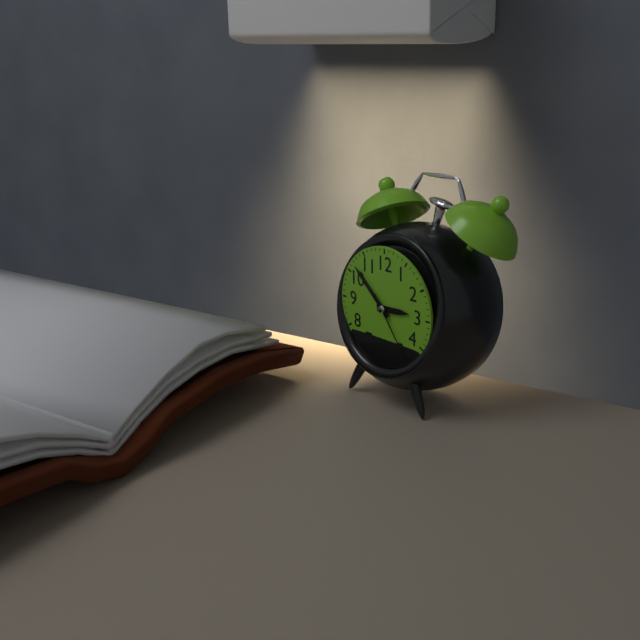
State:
2h52m24s
